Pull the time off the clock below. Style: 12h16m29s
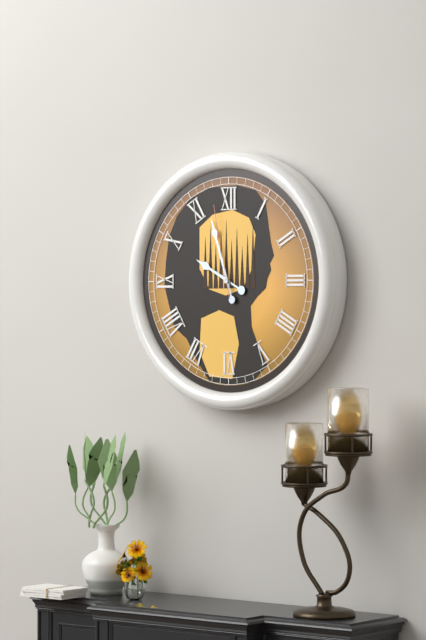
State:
9h57m58s
